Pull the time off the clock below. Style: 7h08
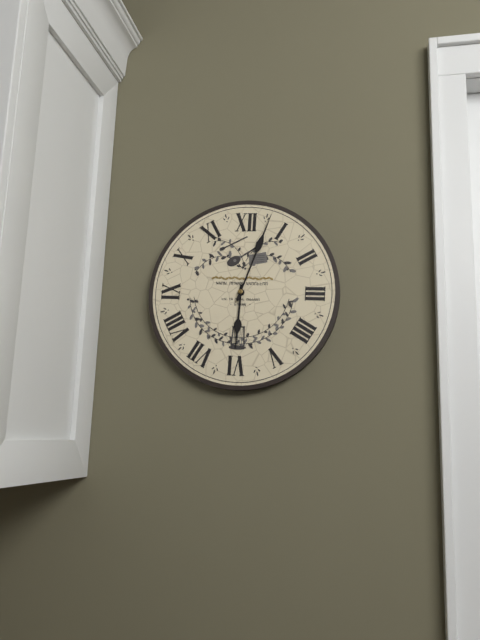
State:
6h03
